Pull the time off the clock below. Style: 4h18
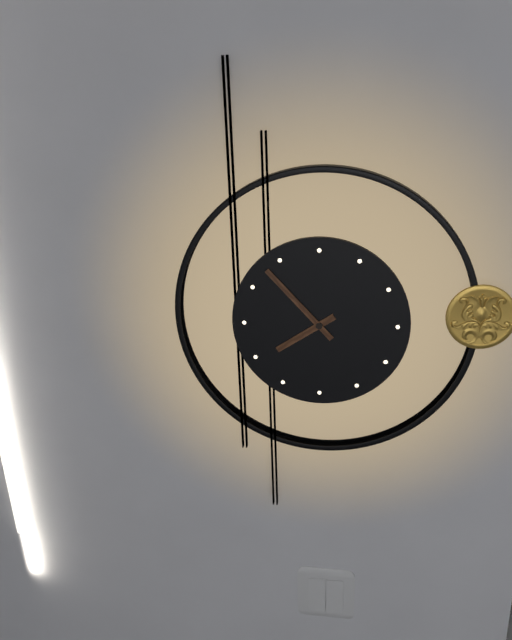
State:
7h53
